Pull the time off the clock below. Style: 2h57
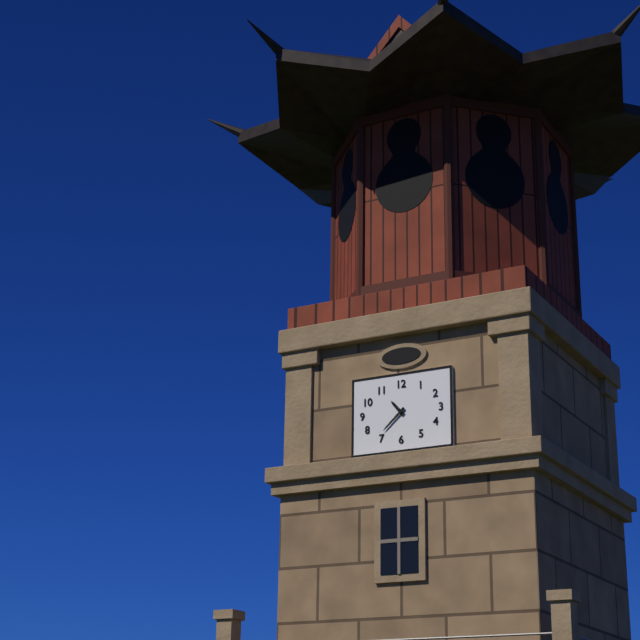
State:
10h38
